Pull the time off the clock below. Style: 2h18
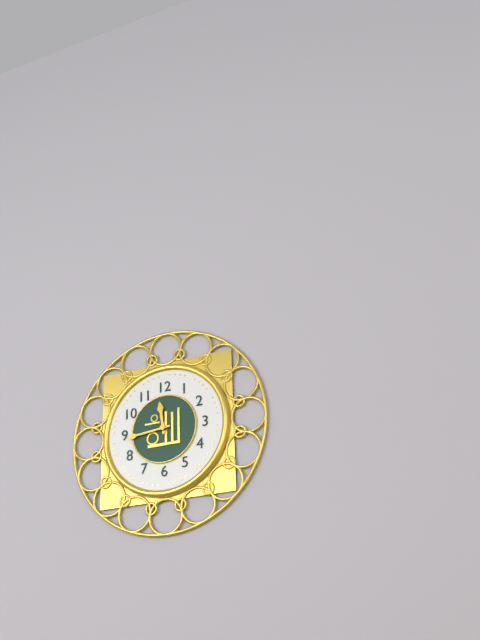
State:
11h44
